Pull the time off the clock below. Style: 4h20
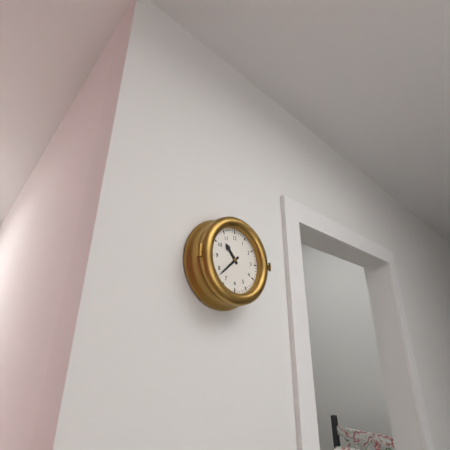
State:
10h38
